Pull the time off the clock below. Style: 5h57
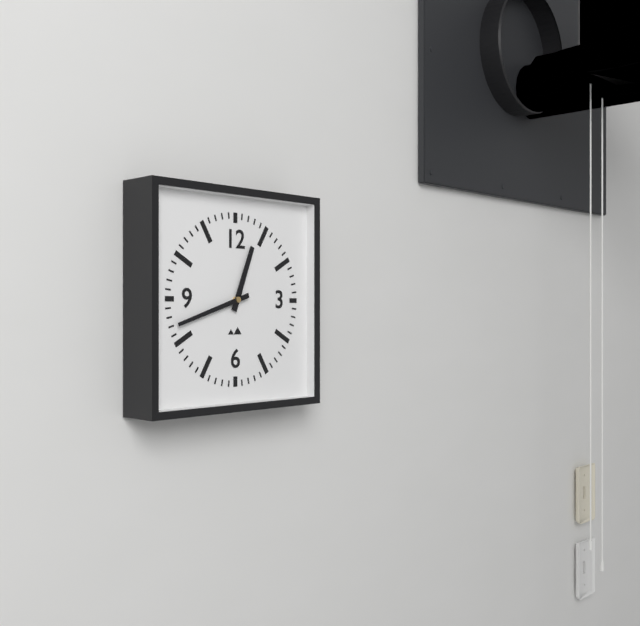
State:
12h42
